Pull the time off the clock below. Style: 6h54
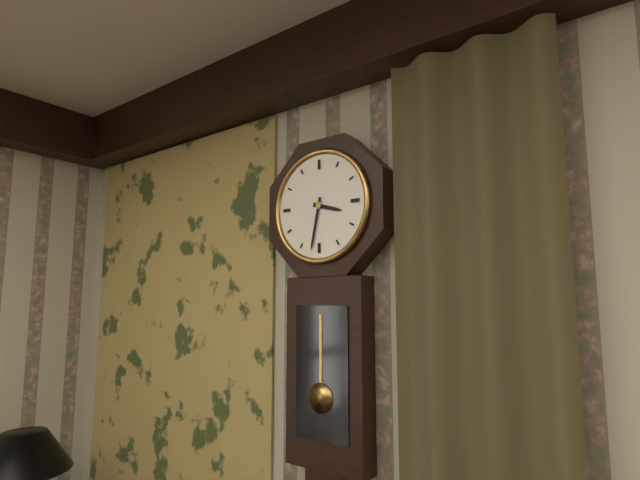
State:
3h32
